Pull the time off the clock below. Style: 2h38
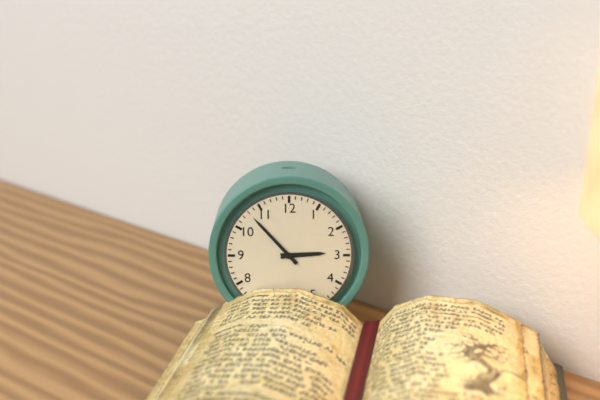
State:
2h53
